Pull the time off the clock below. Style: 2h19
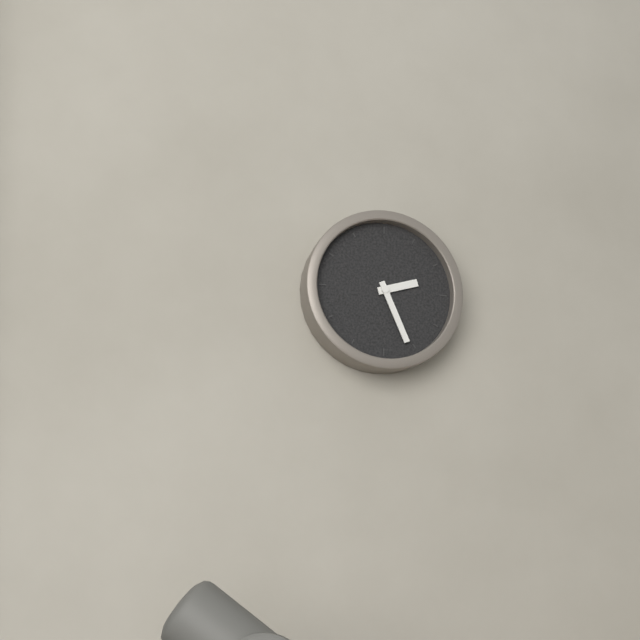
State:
2h26
